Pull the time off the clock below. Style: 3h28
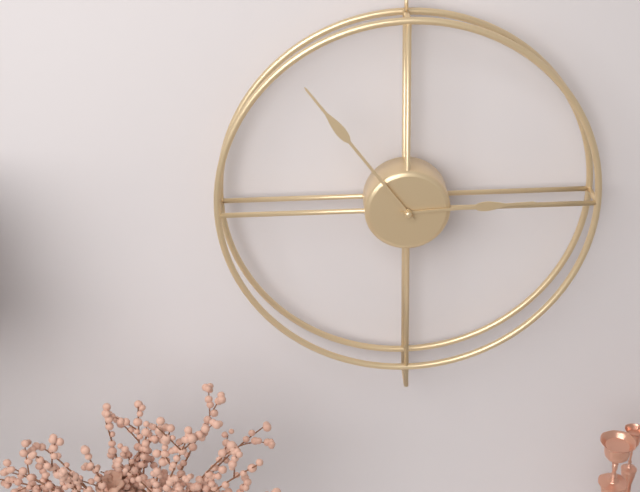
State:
2h54
